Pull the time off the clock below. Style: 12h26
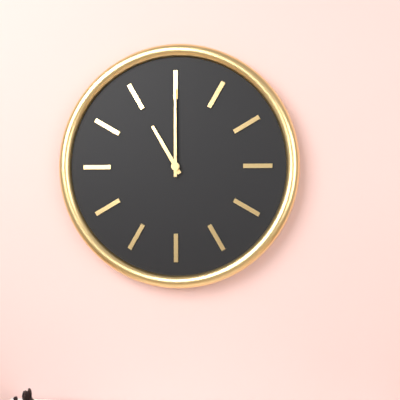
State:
11h00
